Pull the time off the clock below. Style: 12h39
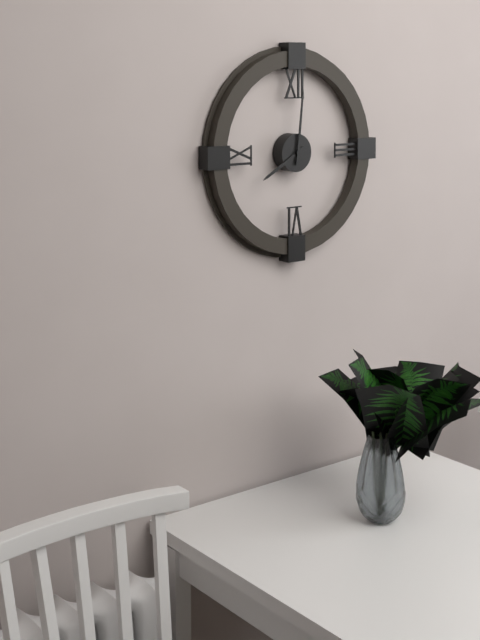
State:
8h01
